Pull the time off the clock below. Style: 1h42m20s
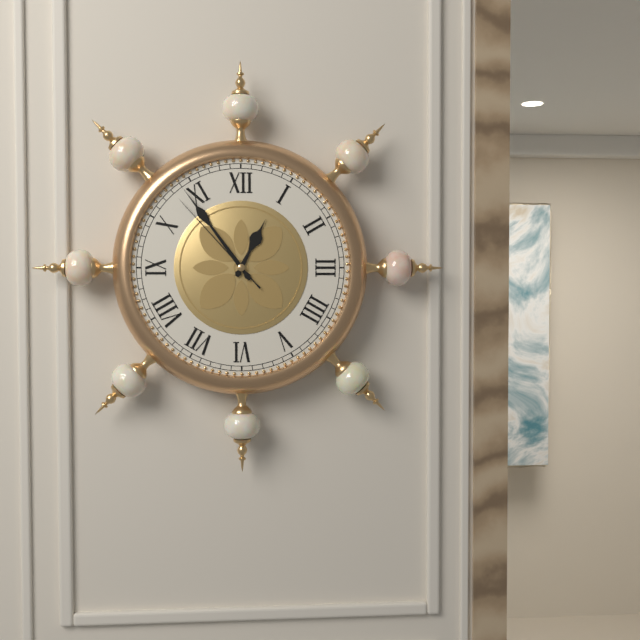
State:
12h54m53s
